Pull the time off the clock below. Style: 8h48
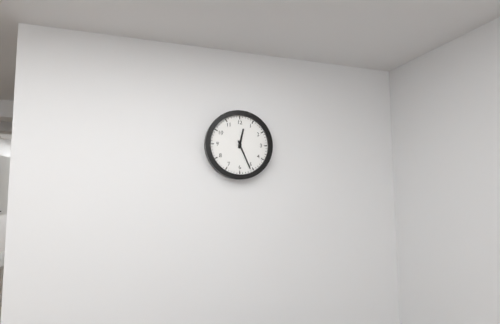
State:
12h26
